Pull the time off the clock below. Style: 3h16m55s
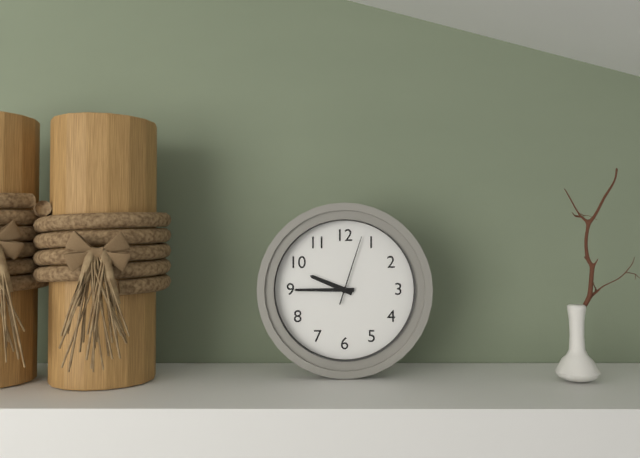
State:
9h45m03s
